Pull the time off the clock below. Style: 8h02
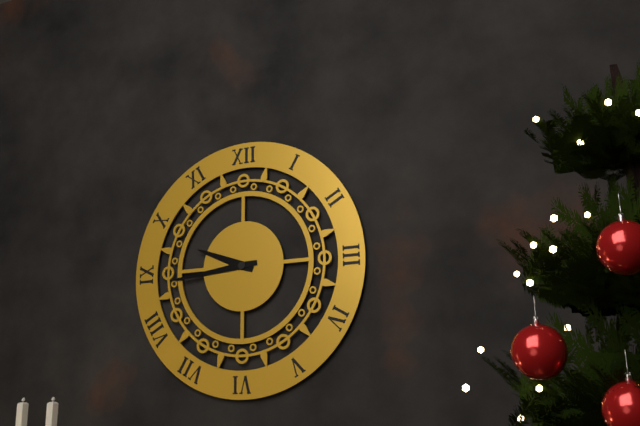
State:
9h44
